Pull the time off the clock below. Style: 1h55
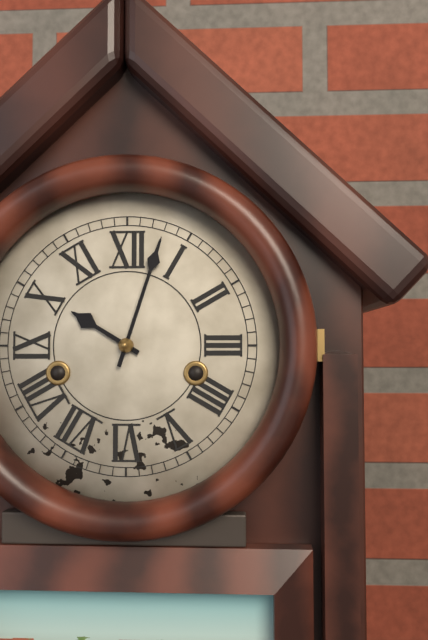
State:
10h03
